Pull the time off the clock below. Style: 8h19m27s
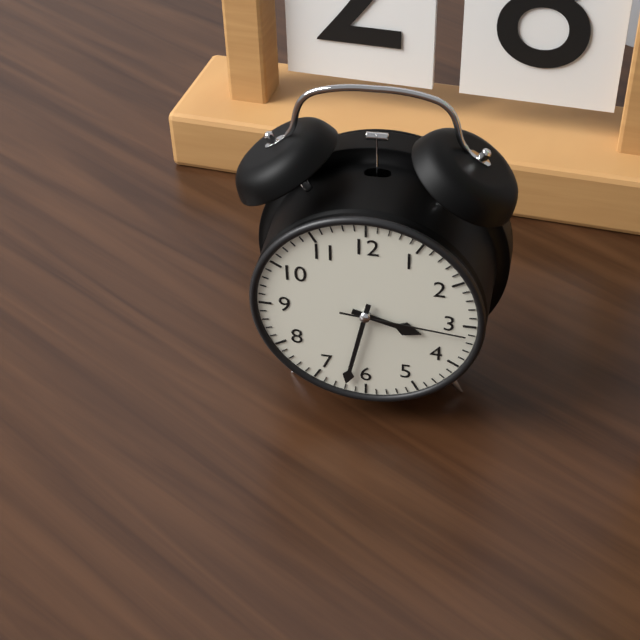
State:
3h32m16s
